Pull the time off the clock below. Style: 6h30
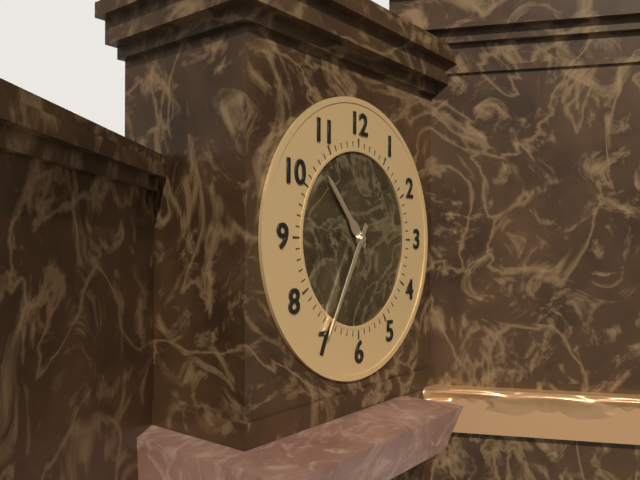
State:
10h35
